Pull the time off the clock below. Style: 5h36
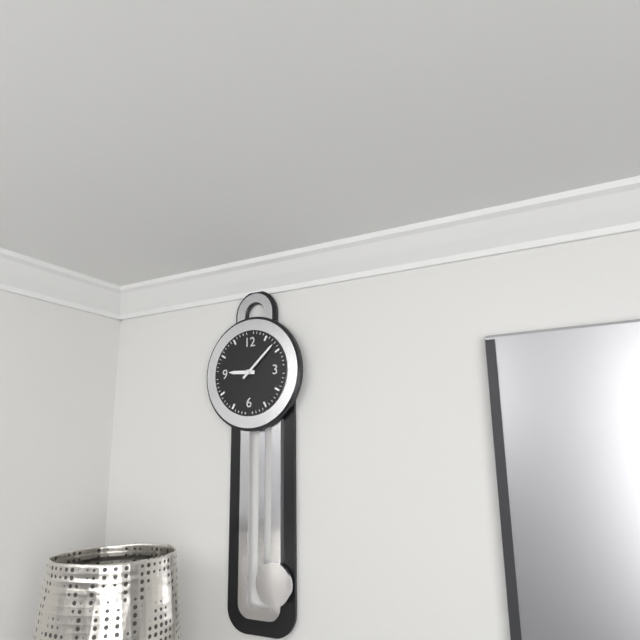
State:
9h08
